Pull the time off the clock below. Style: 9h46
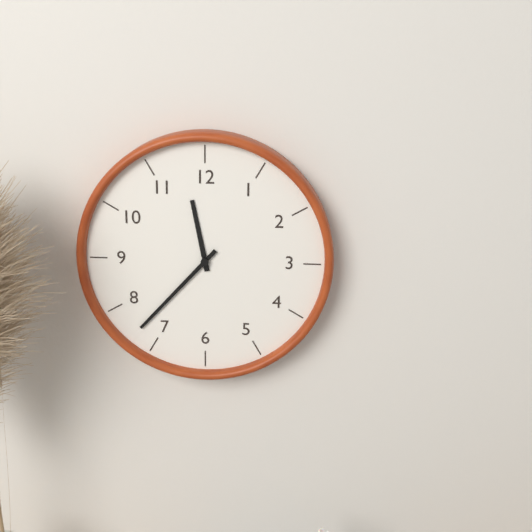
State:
11h37
